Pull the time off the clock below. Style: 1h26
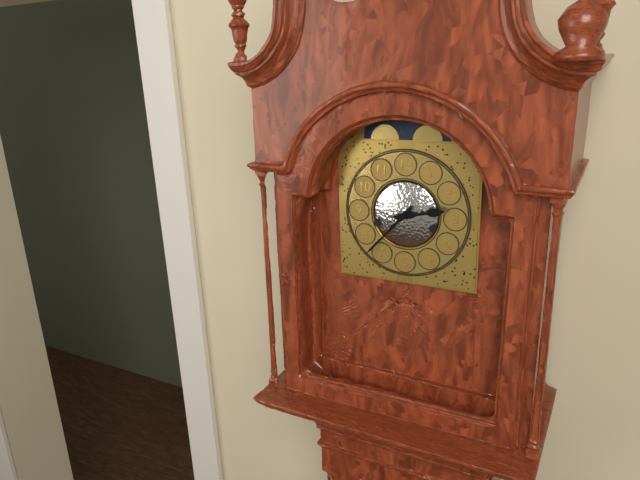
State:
2h37
